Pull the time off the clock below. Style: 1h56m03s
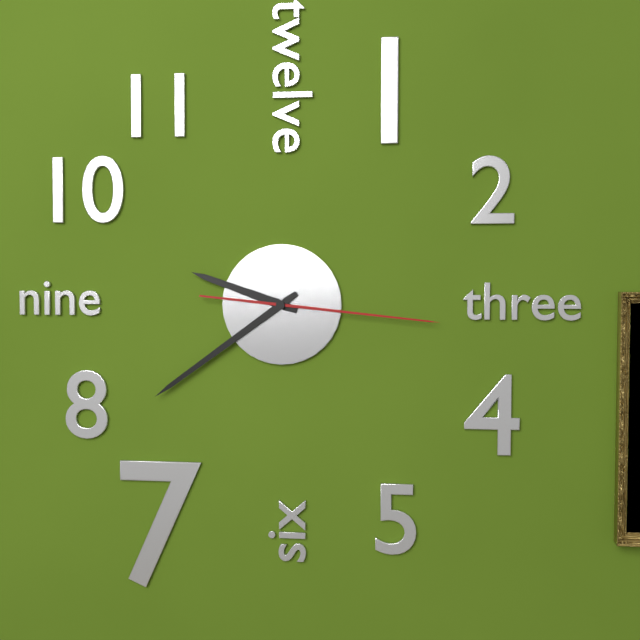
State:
9h39m16s
